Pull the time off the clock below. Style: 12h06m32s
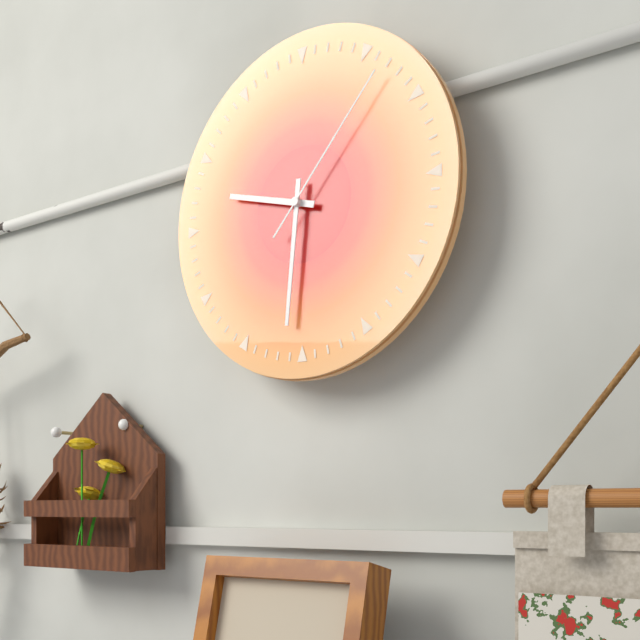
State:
9h31m07s
